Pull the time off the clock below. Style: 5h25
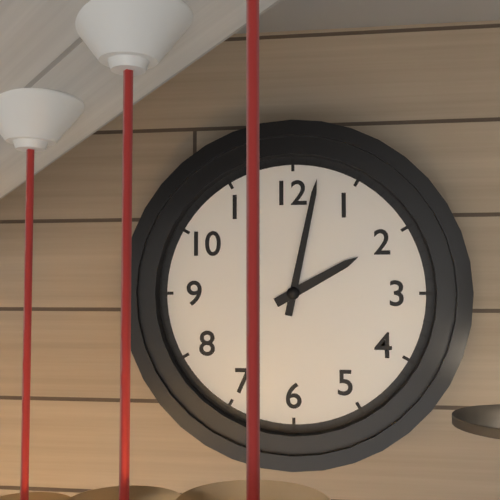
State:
2h02
